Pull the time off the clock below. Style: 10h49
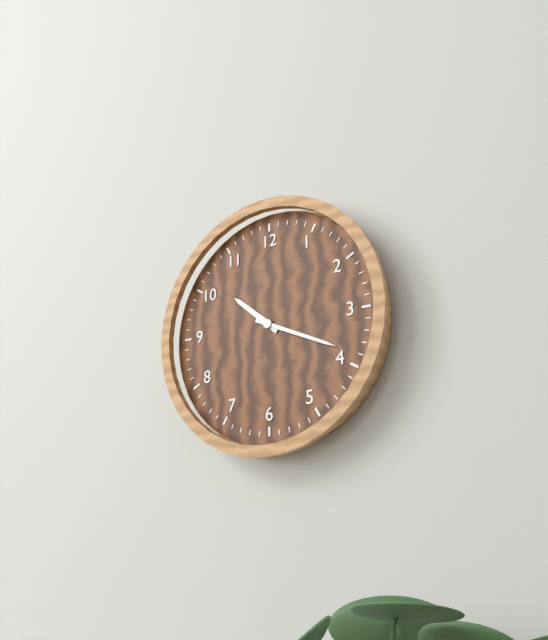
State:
10h19
